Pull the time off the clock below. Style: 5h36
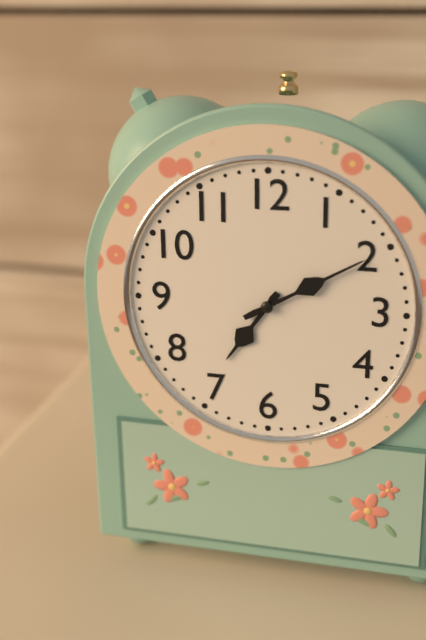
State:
7h10
